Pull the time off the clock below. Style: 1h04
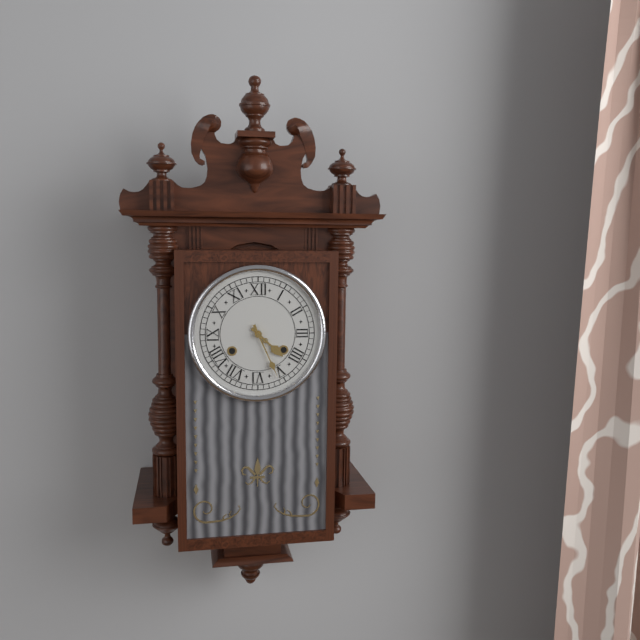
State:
4h26
